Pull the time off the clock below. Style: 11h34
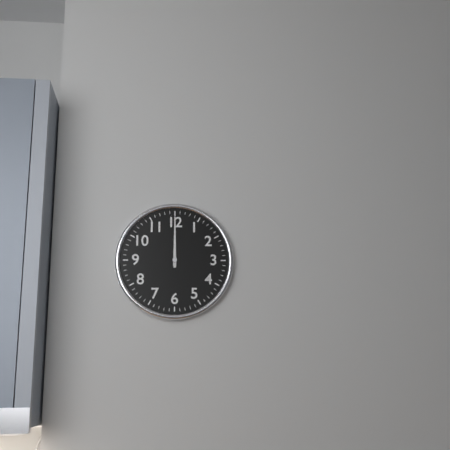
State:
12h00
